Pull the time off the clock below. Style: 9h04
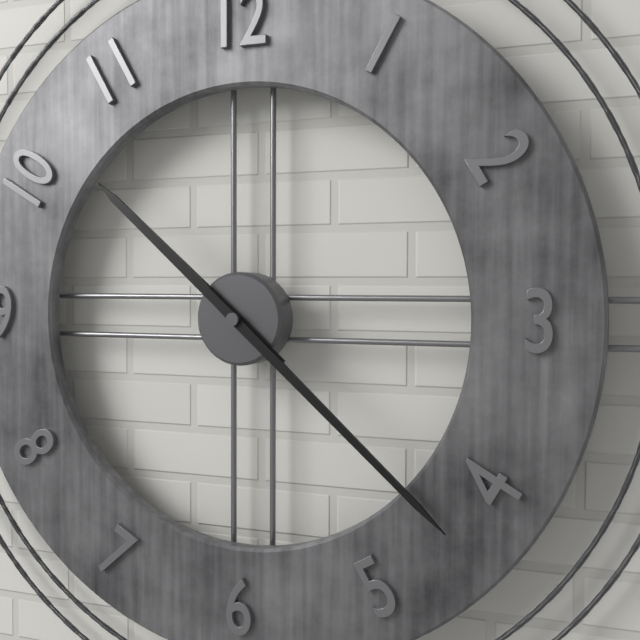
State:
10h22
